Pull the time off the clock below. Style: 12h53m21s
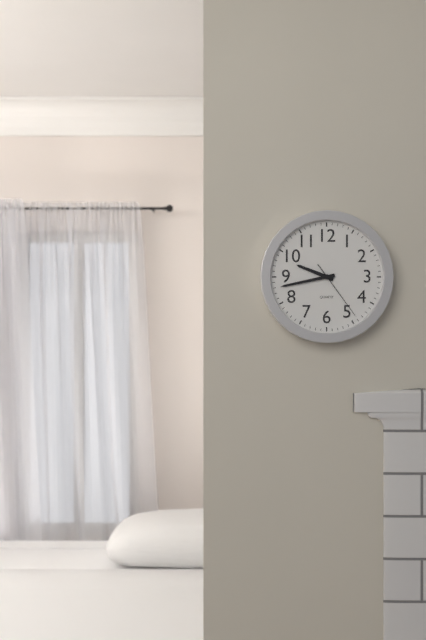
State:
9h43m24s
